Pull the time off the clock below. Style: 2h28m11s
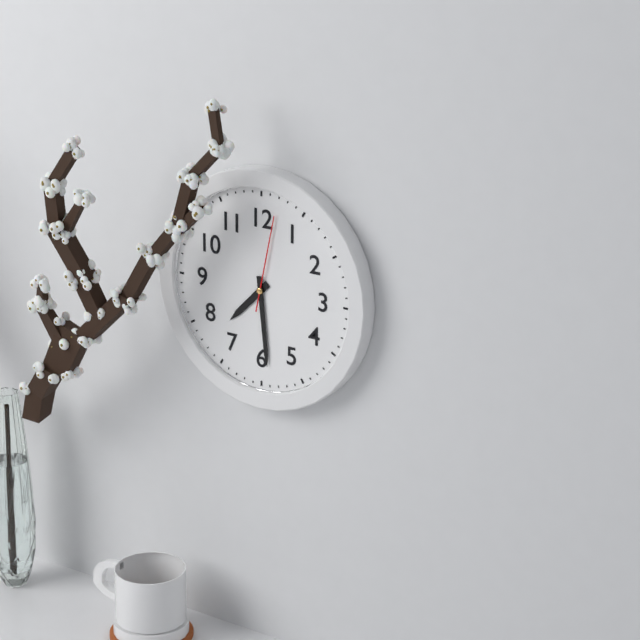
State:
7h29m02s
